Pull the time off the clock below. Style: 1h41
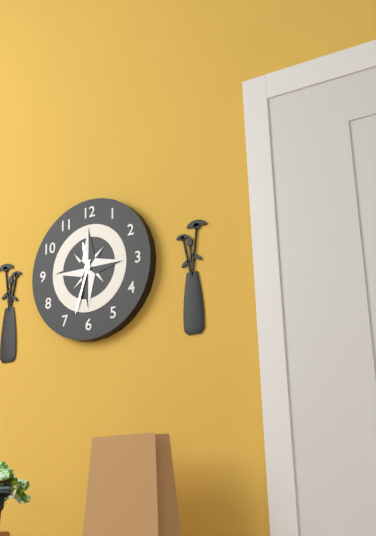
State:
11h33
